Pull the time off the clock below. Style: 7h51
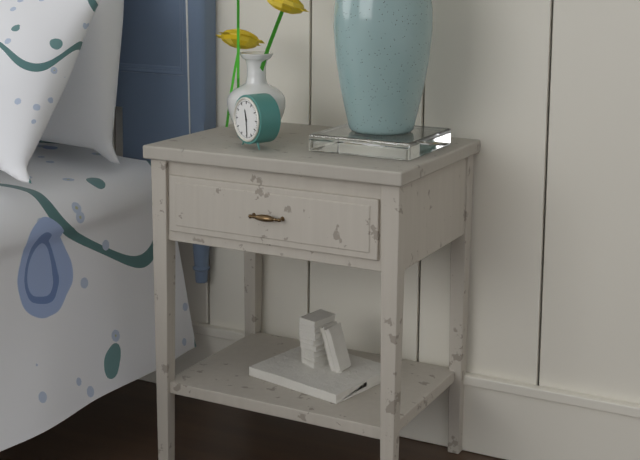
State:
11h29
